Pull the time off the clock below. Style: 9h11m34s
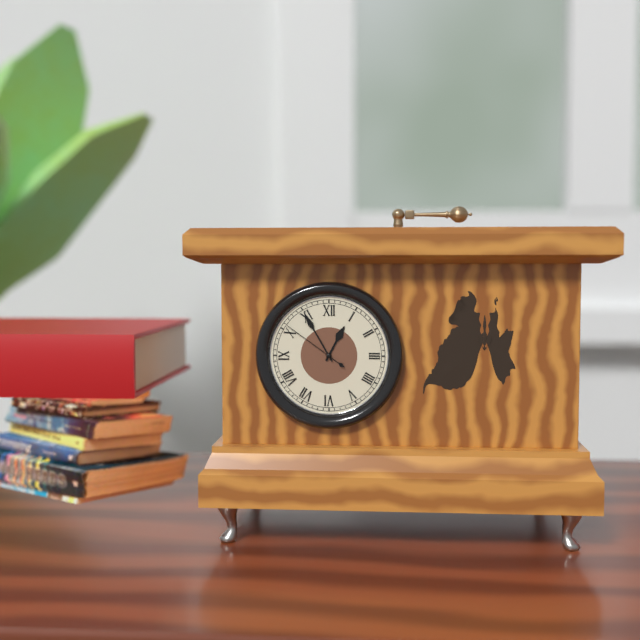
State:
12h55m51s
